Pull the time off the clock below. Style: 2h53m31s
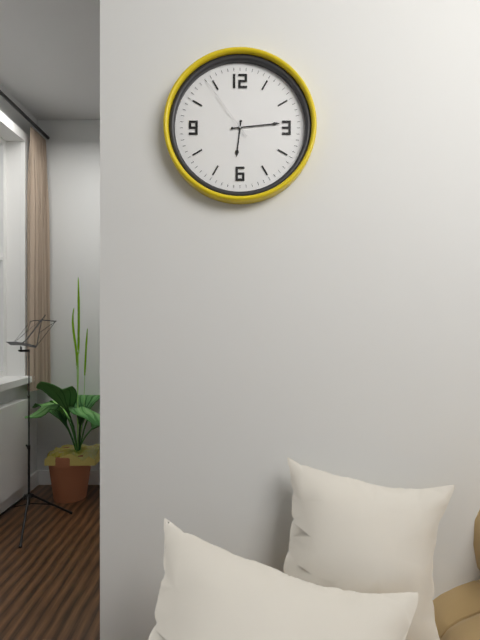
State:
6h14m54s
